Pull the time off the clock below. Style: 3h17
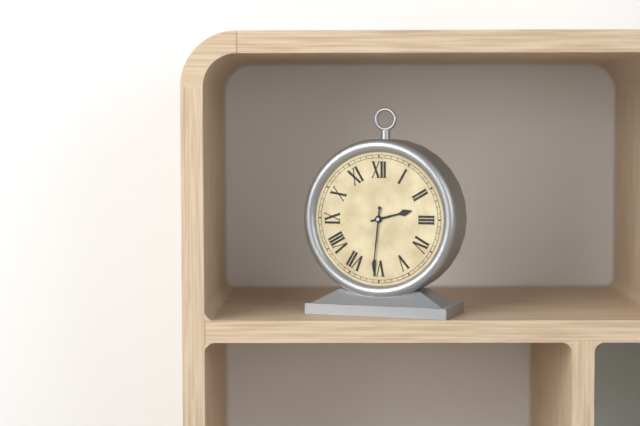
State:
2h31
